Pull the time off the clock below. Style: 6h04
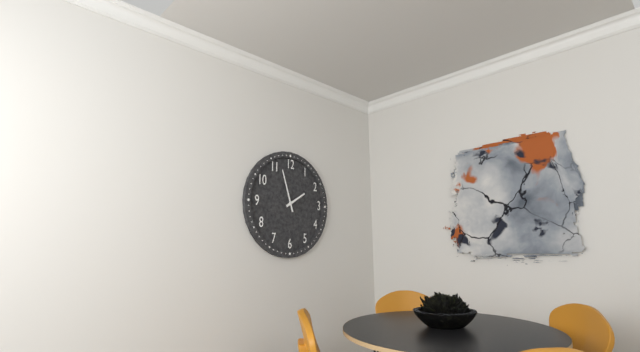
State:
1h57
